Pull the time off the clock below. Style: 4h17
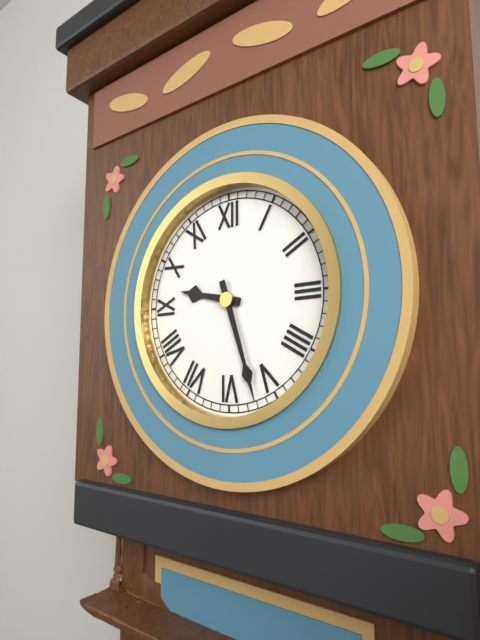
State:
9h27
